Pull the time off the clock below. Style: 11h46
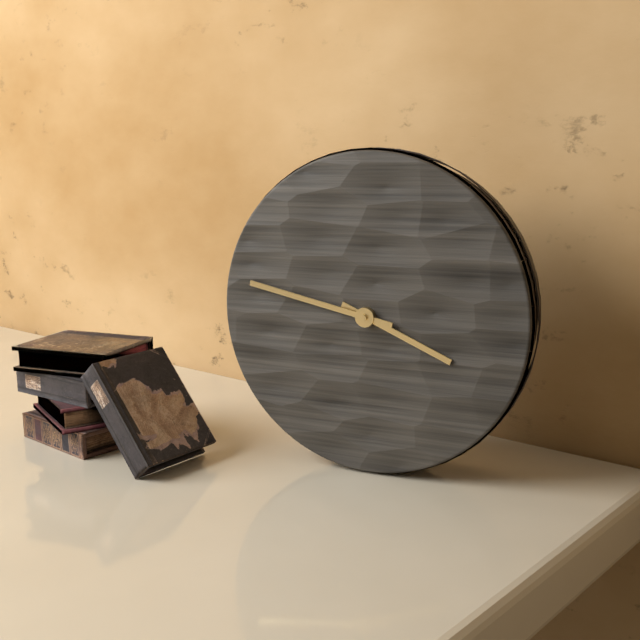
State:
3h47
